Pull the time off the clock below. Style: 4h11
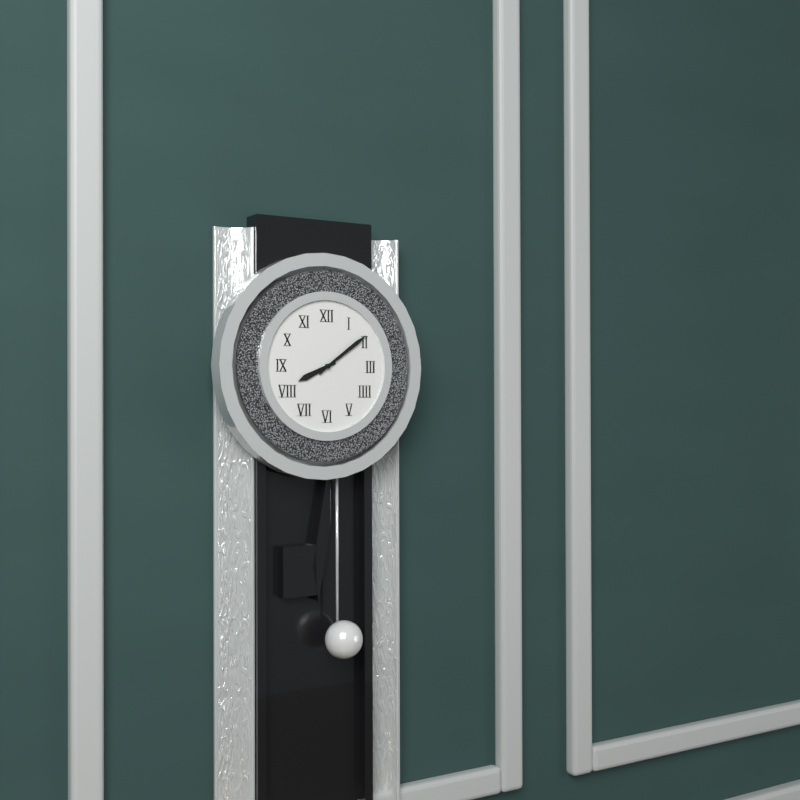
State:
8h09
